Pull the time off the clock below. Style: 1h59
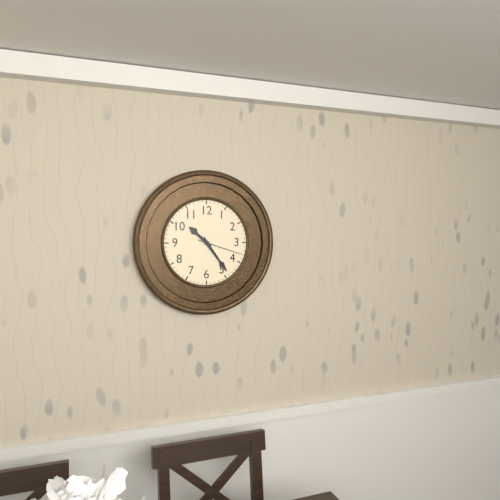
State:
10h24
